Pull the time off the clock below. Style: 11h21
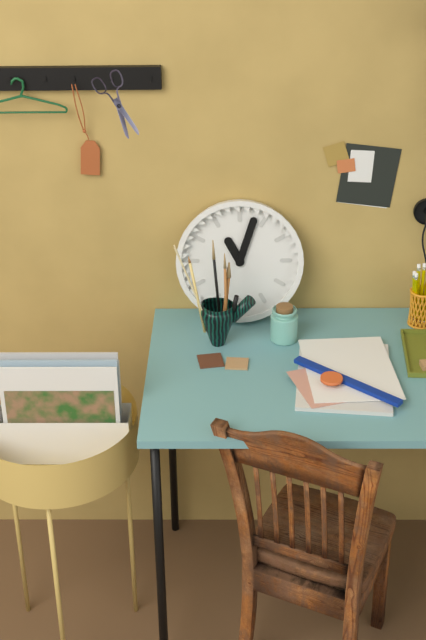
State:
11h03
